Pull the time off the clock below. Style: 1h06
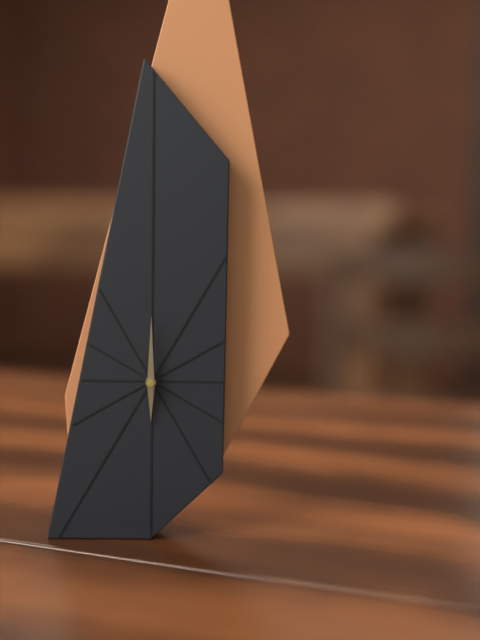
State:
6h00
